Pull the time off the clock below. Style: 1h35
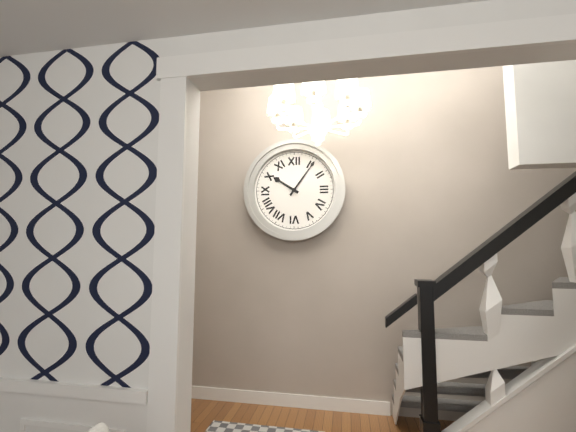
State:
10h06
